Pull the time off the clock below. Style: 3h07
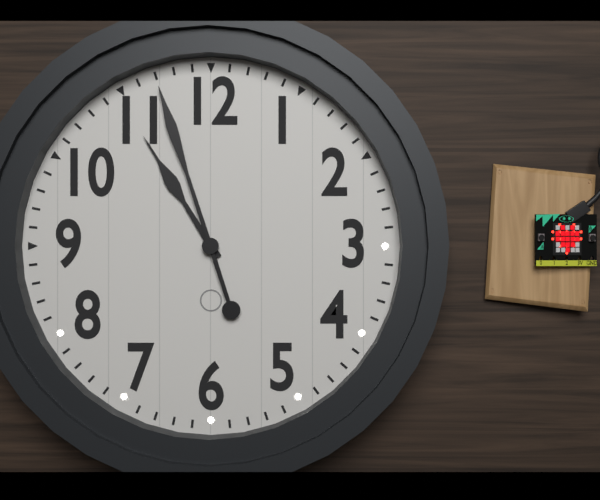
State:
10h57
